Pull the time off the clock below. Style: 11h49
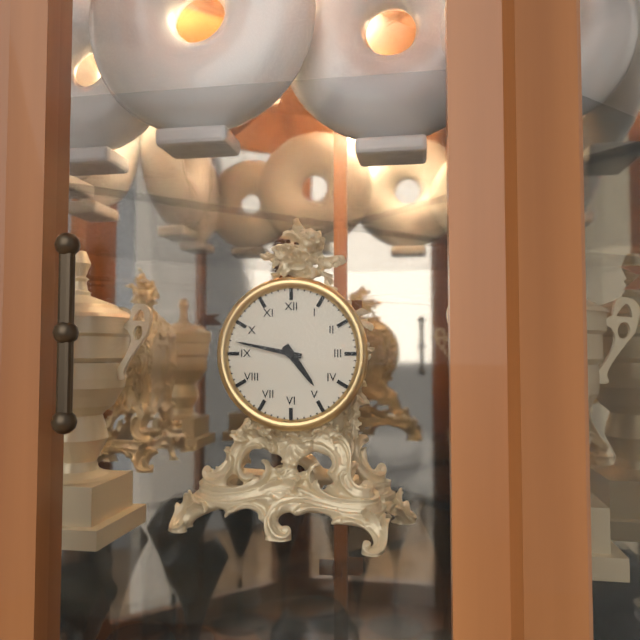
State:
4h47
